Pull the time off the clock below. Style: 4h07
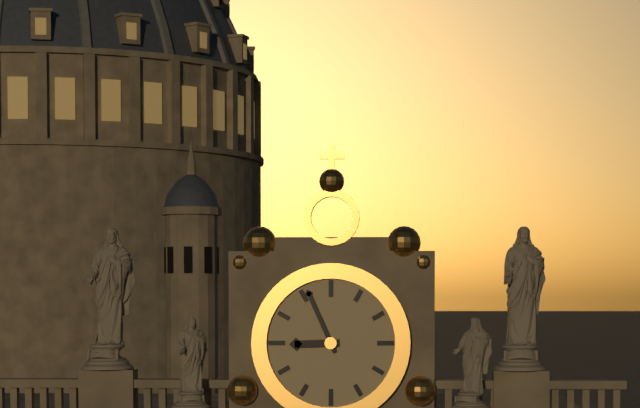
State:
8h56
